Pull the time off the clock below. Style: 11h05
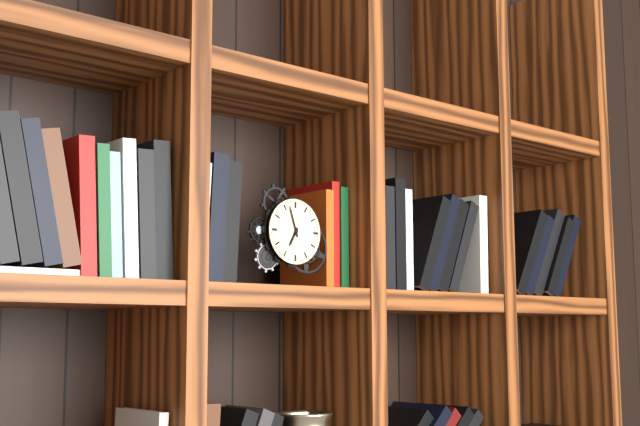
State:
6h57
